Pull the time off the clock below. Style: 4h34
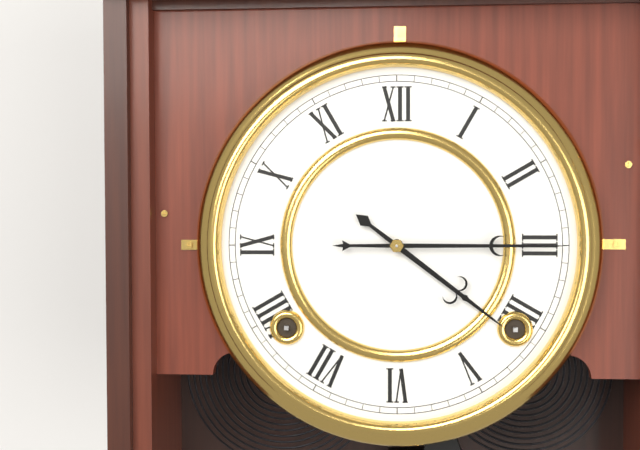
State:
4h15
